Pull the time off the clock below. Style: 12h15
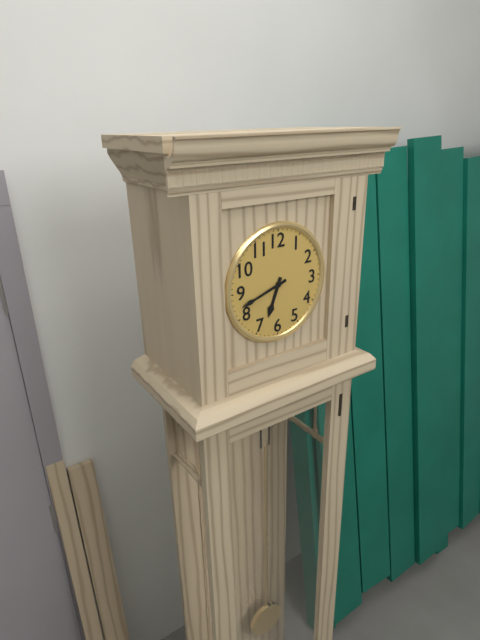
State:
6h42
